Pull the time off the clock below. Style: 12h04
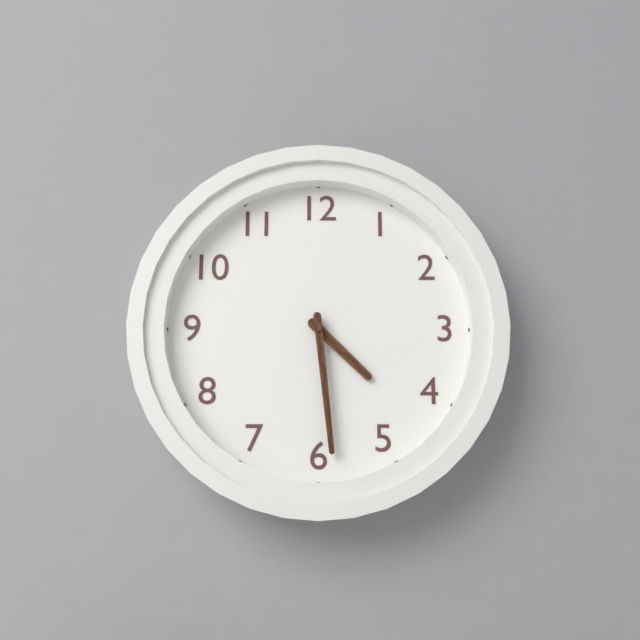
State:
4h29
